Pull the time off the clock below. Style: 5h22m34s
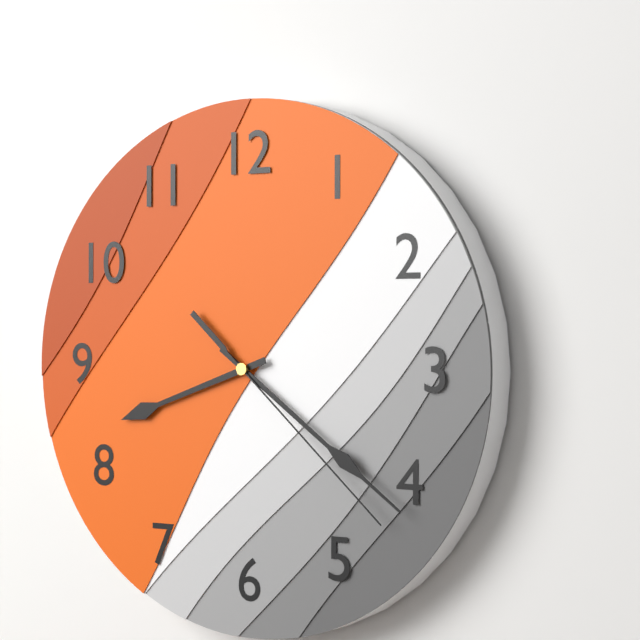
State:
8h21m22s
